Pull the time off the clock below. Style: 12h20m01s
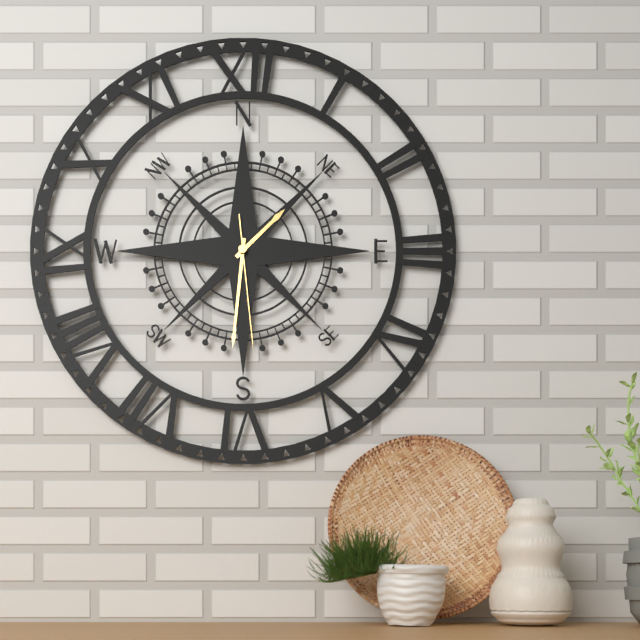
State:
1h31m29s
